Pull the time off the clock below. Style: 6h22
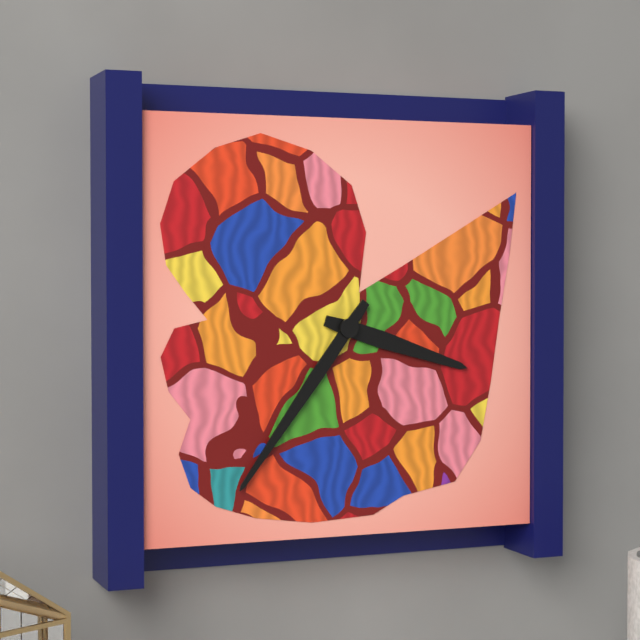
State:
3h36
